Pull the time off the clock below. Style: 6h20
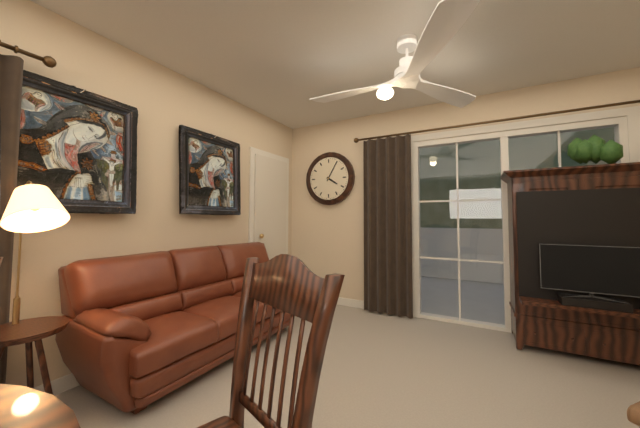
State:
4h05
